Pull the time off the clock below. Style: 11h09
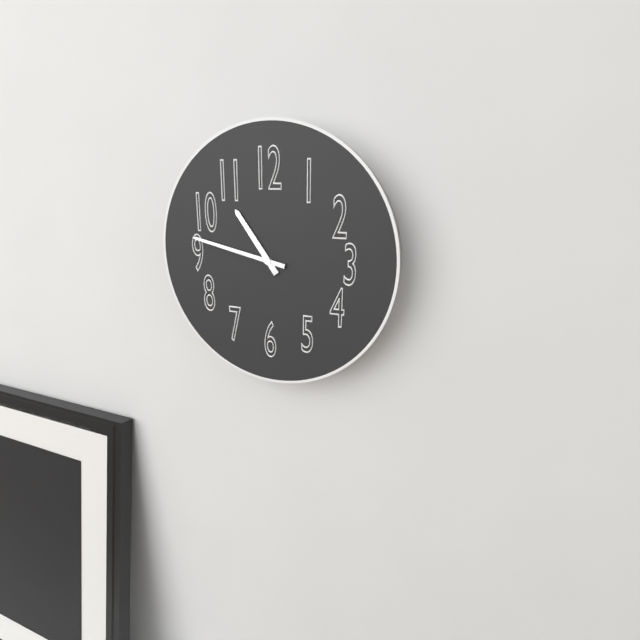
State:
10h47
